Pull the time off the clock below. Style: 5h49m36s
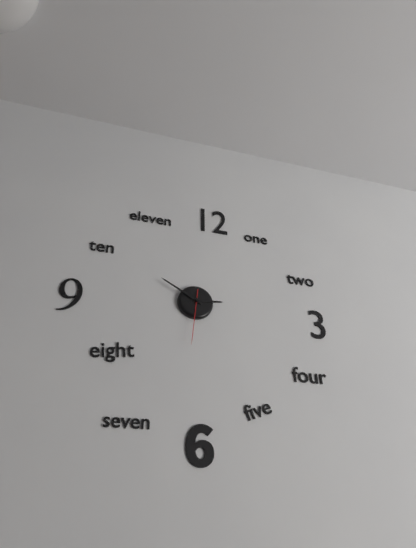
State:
2h50m31s
